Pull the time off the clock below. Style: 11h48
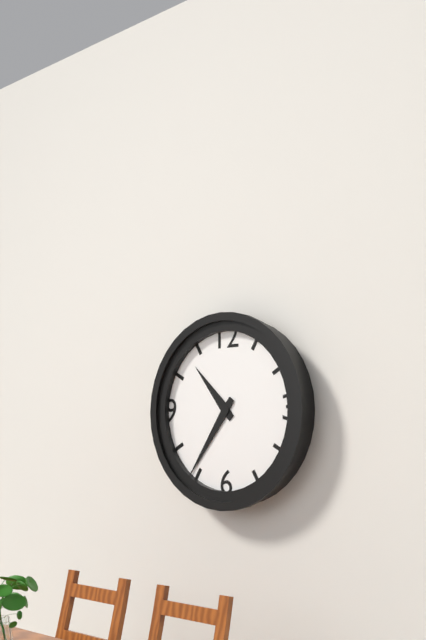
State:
10h36
